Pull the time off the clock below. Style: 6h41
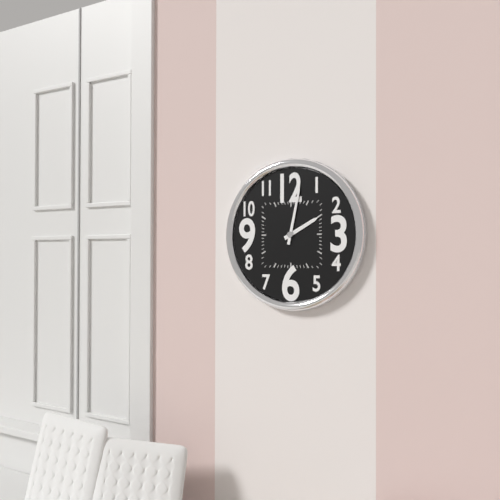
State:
2h02
